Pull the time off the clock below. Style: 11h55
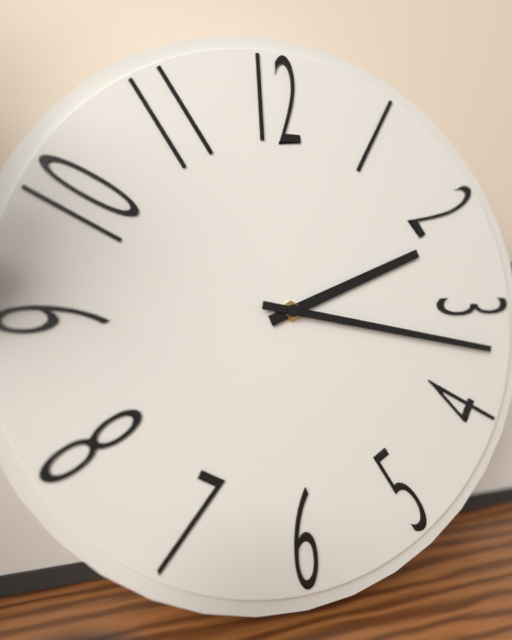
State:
2h17
